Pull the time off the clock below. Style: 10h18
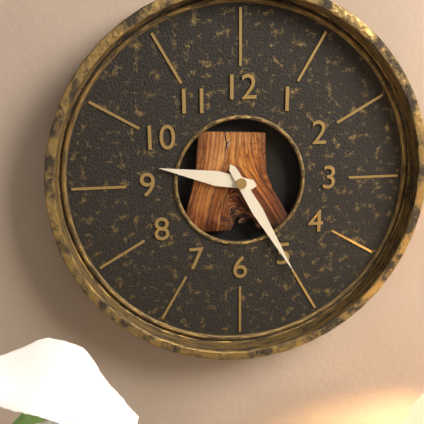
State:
9h25
